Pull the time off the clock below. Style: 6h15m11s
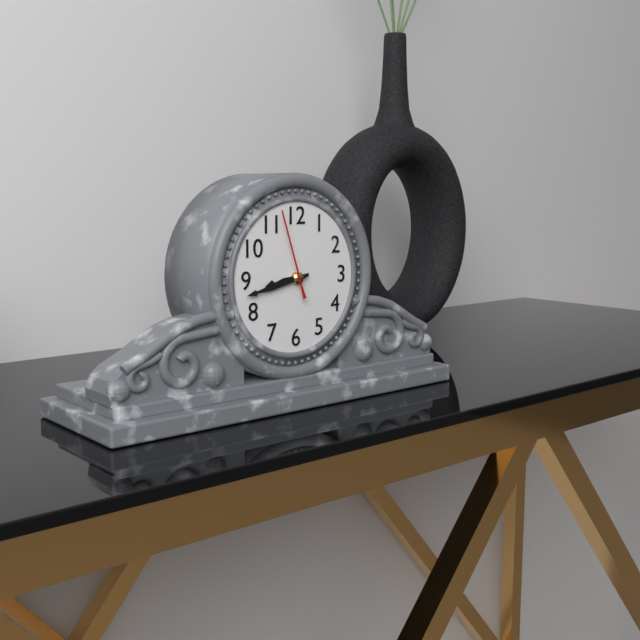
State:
8h43m57s
